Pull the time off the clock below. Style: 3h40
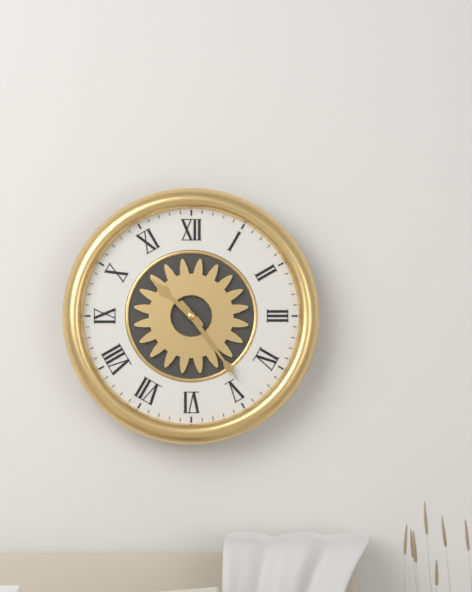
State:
10h24
